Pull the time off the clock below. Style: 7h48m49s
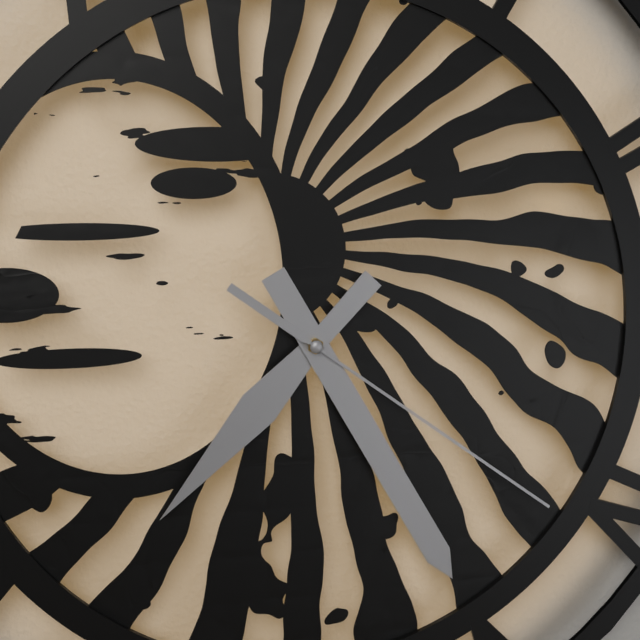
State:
7h25m21s
